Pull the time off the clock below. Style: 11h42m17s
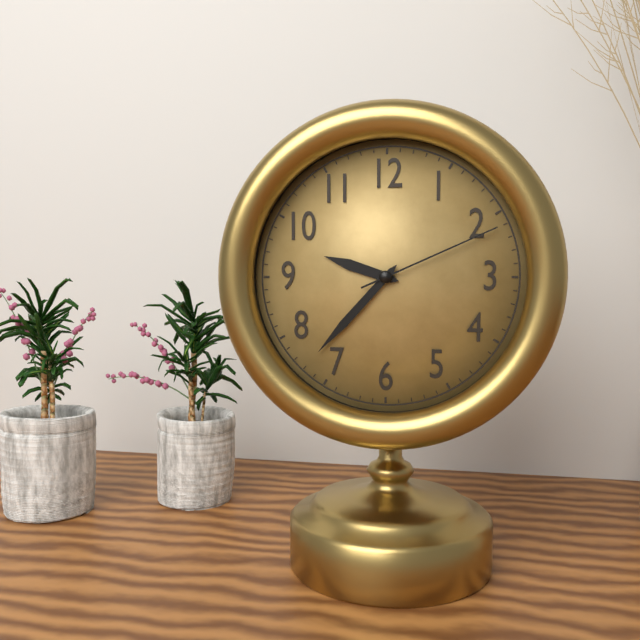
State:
9h37m11s
